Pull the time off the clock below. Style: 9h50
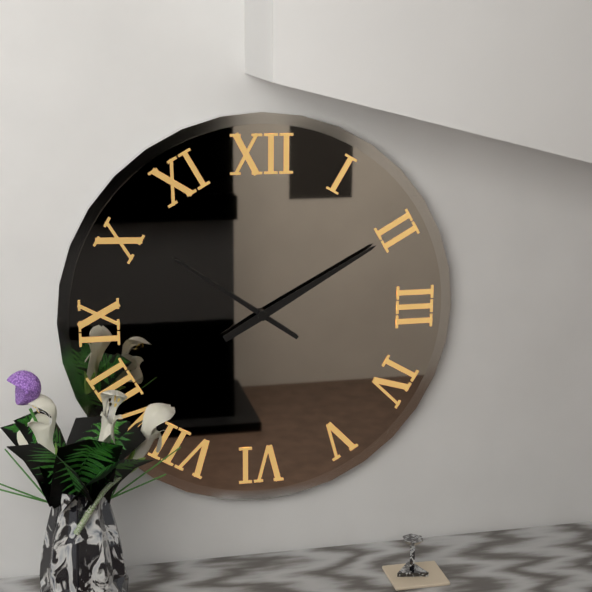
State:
10h10
